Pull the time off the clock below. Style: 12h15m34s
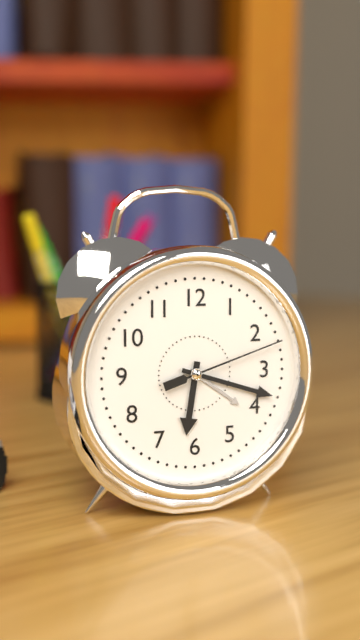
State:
6h18m12s
